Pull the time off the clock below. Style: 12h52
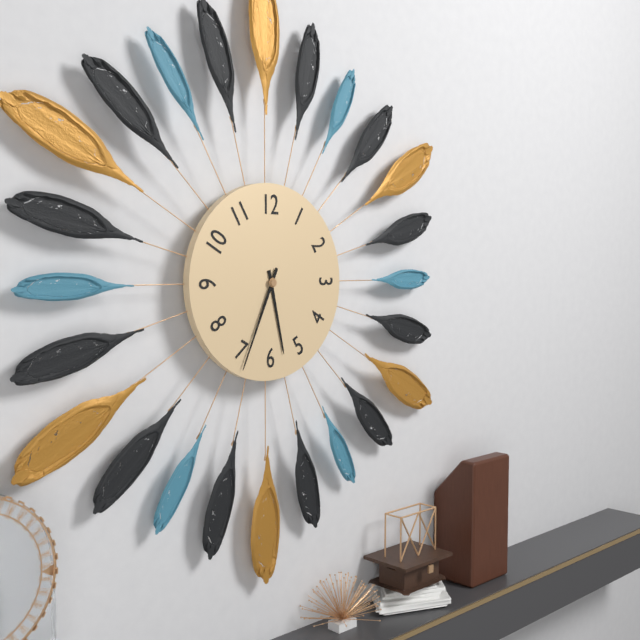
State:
5h34
